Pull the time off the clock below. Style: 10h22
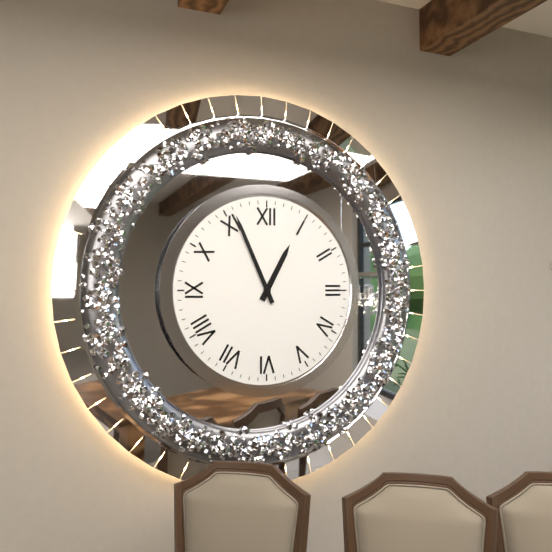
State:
12h56
